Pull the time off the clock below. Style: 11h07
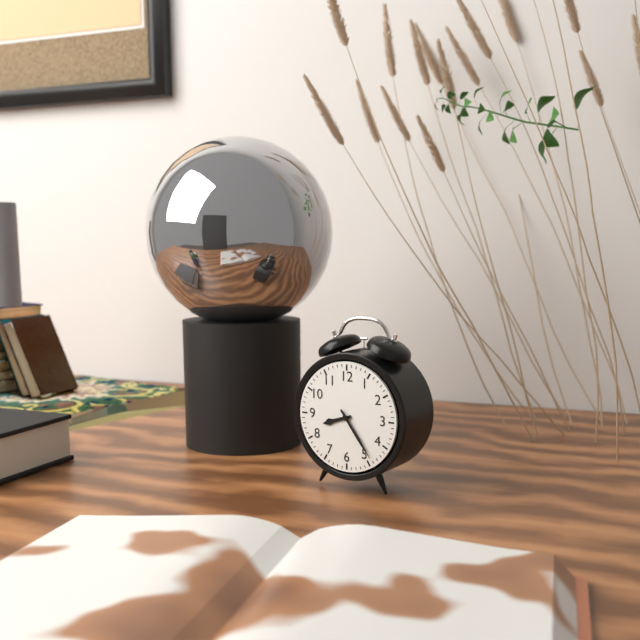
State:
8h24
